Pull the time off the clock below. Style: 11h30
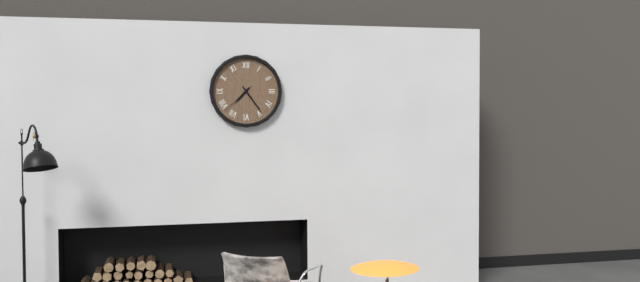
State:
7h24
